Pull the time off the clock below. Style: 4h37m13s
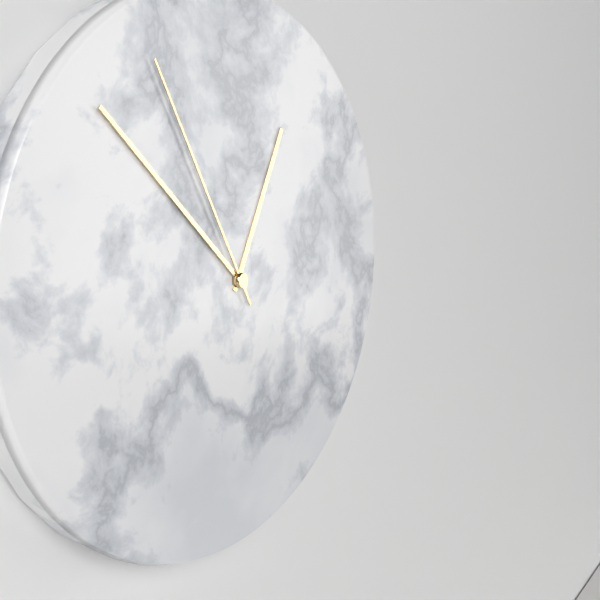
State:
12h52m55s
